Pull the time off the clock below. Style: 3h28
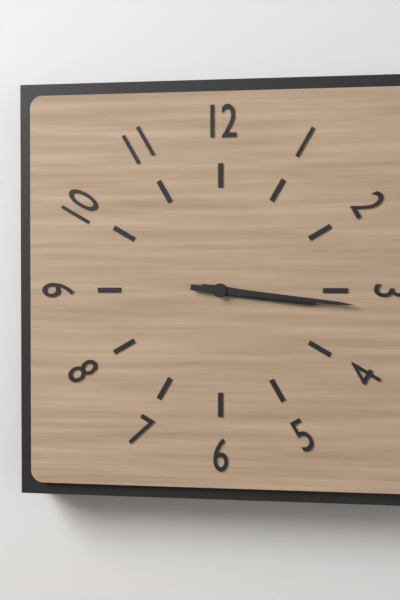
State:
3h16
